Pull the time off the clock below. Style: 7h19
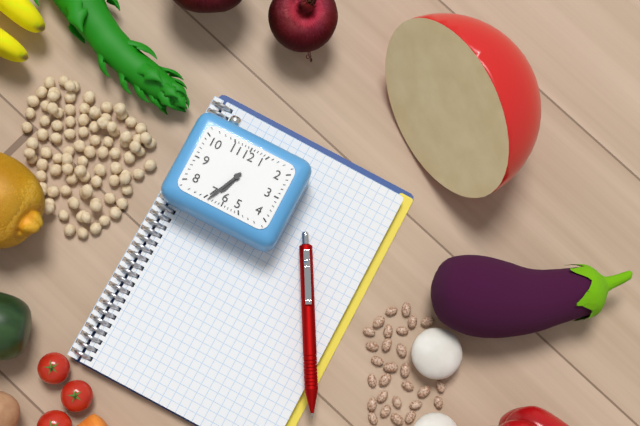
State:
6h34
